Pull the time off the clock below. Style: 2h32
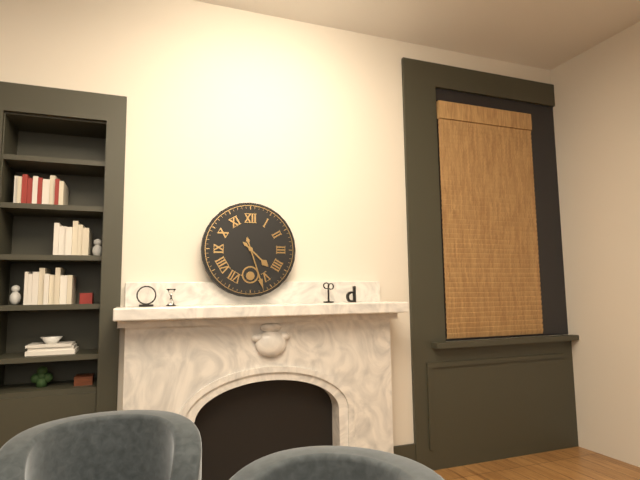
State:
4h27
